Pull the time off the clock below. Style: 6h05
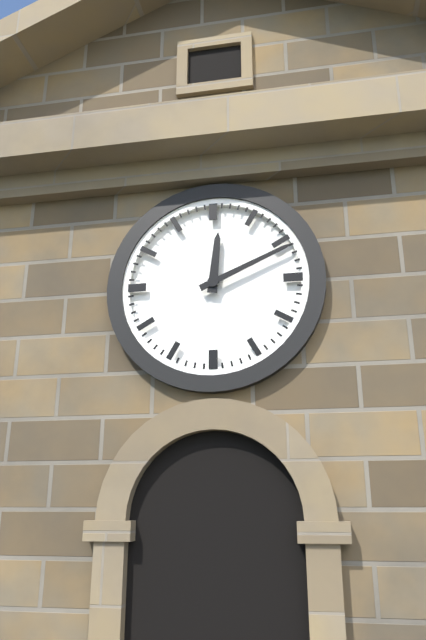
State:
12h11
